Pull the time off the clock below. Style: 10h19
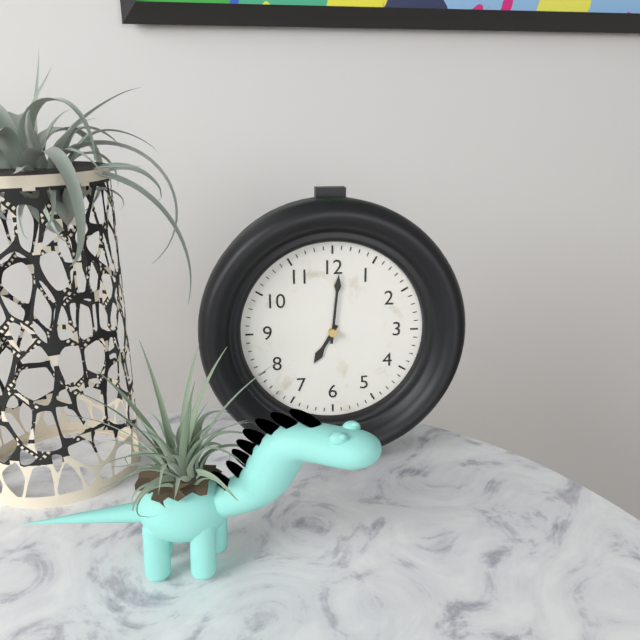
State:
7h01
